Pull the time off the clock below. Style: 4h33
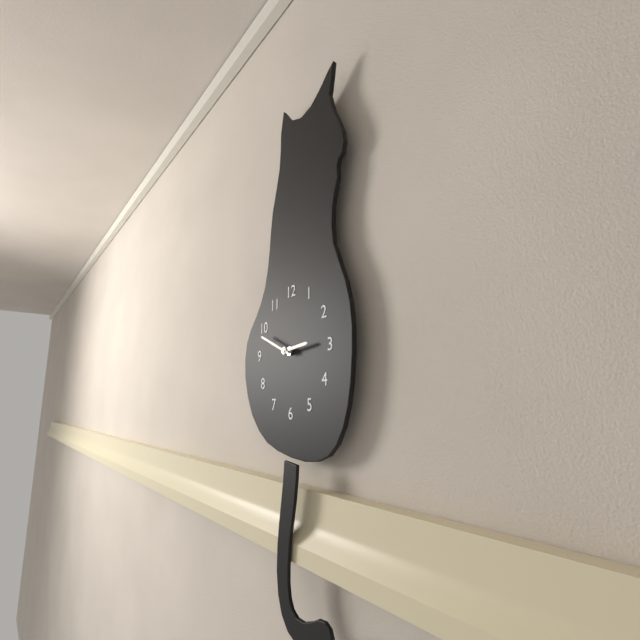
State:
2h49
